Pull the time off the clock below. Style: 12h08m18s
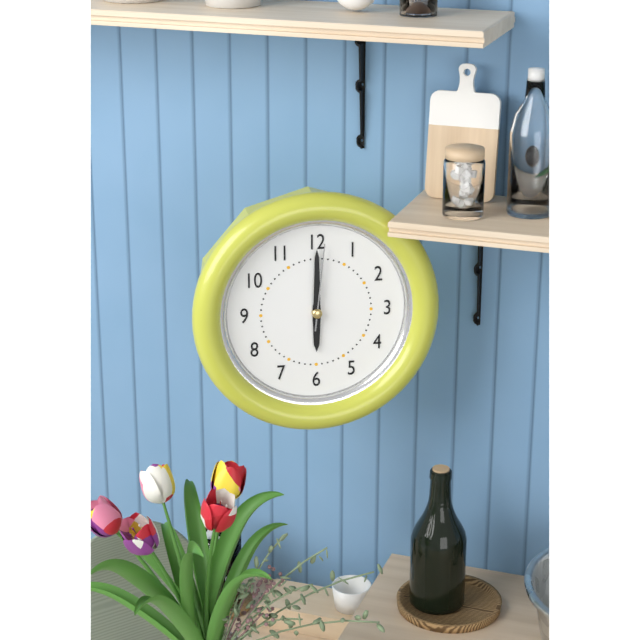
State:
6h00m01s
